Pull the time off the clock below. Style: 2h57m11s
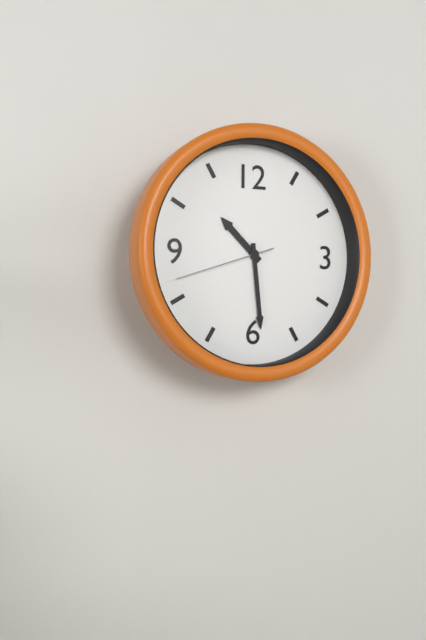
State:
10h29m42s
